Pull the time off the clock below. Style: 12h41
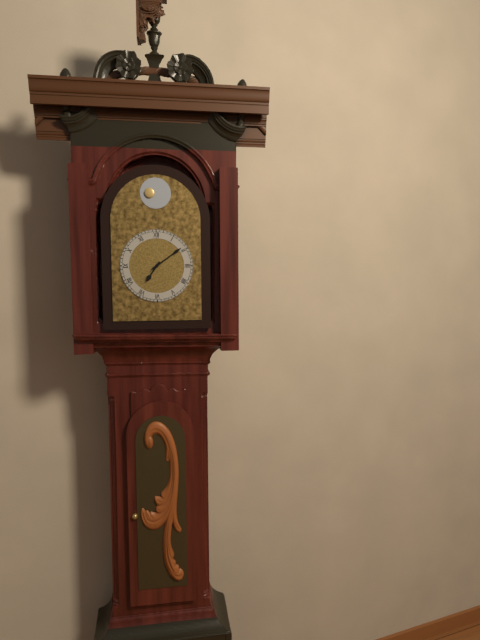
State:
7h09
